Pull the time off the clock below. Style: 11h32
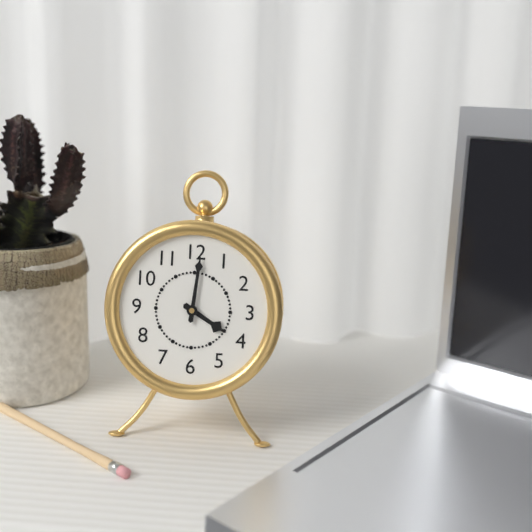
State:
4h01
